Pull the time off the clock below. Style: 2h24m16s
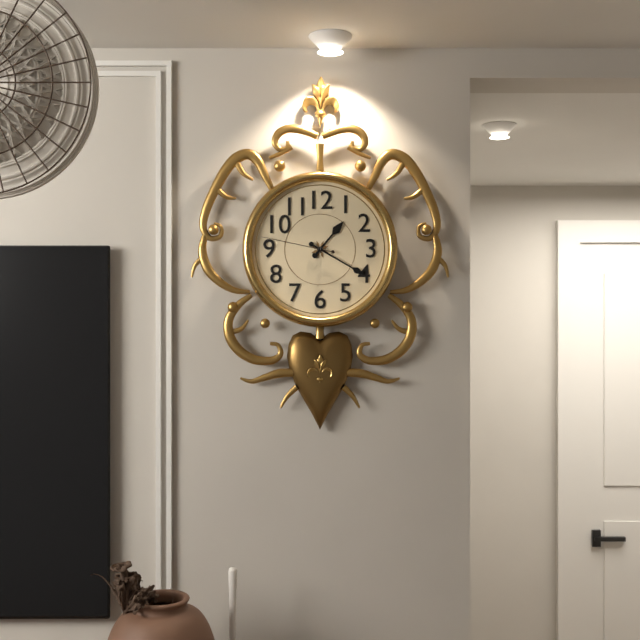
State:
1h20m47s
